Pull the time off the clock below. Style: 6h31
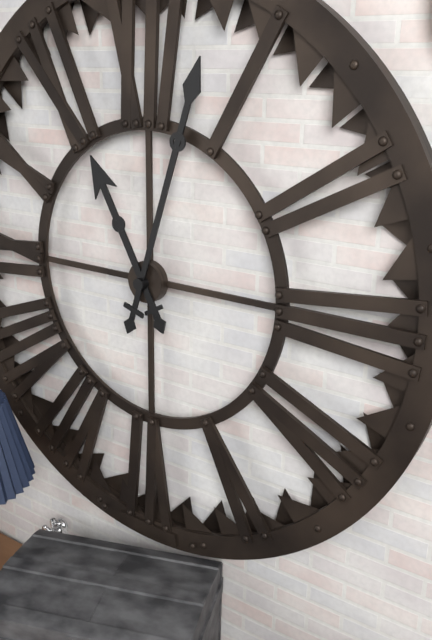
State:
11h03
